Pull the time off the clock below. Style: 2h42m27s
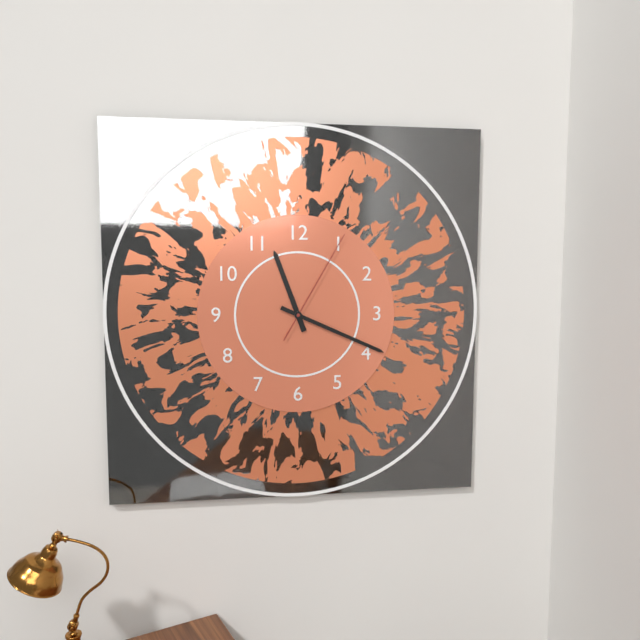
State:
11h19m05s
